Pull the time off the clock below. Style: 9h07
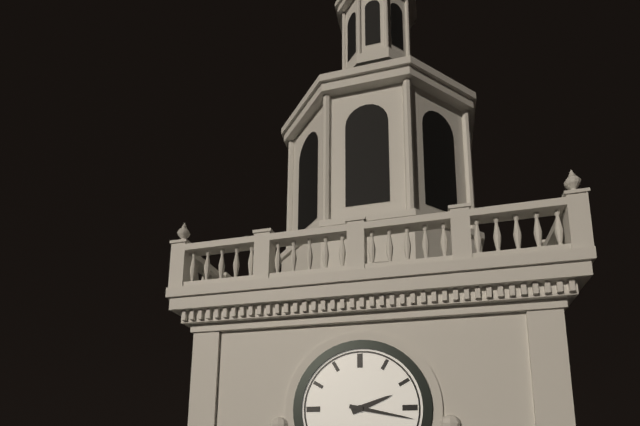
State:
2h17
